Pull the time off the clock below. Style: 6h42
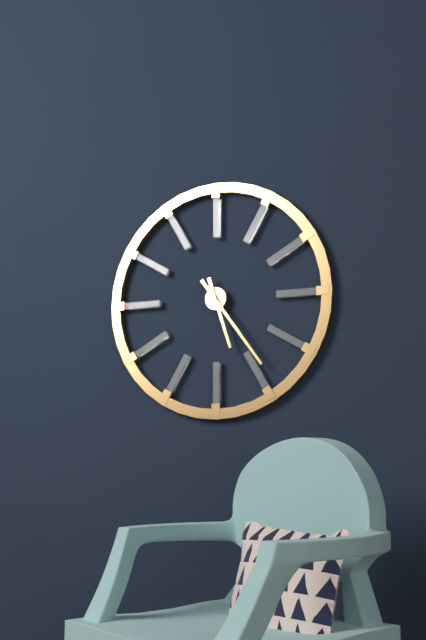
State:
5h24
